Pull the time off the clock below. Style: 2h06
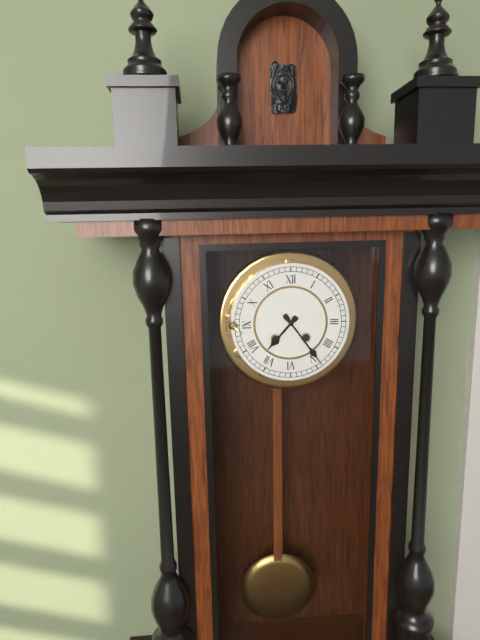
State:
7h24
